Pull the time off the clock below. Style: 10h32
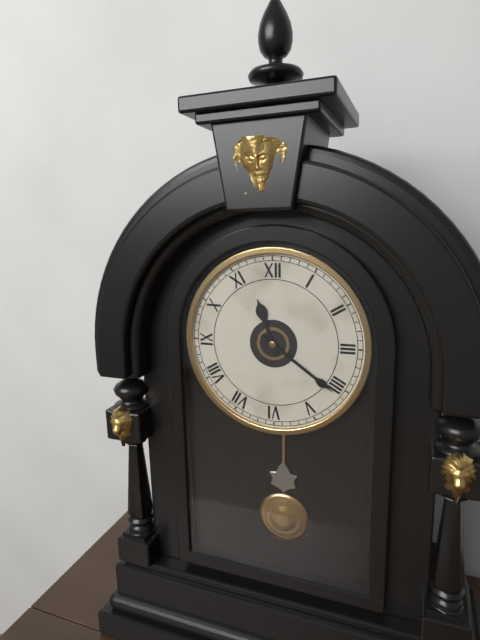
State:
11h21
